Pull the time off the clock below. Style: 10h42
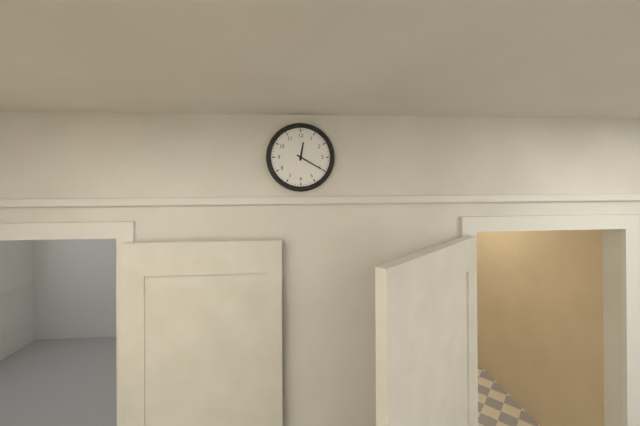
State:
12h20
